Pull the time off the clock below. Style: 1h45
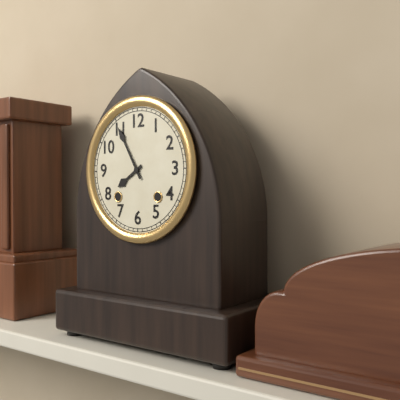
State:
7h55
